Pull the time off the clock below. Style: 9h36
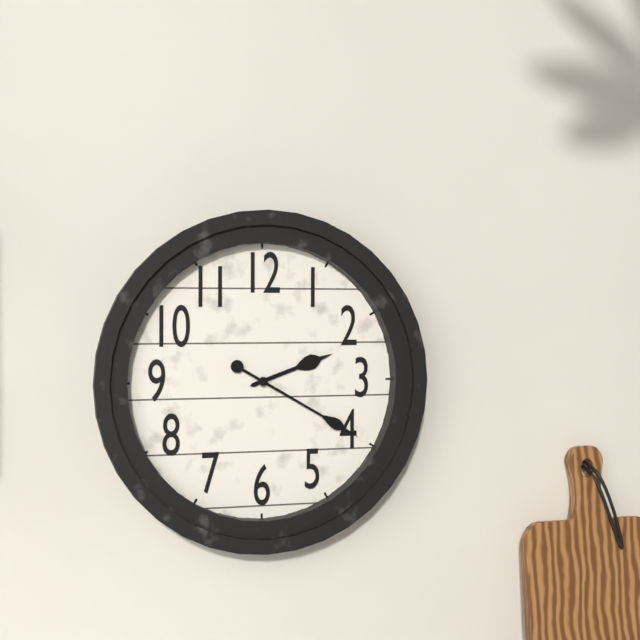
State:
2h20
